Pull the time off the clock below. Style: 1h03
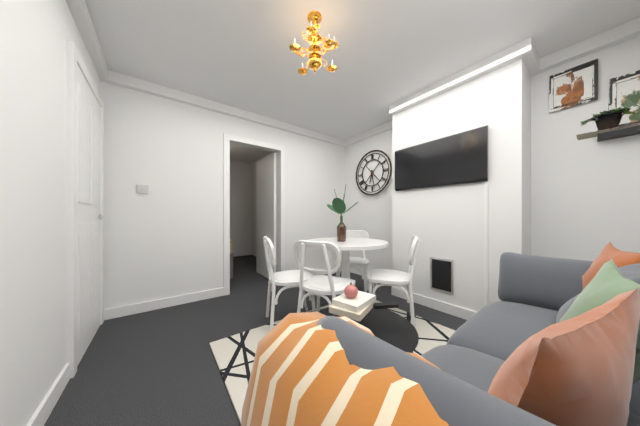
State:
6h28
